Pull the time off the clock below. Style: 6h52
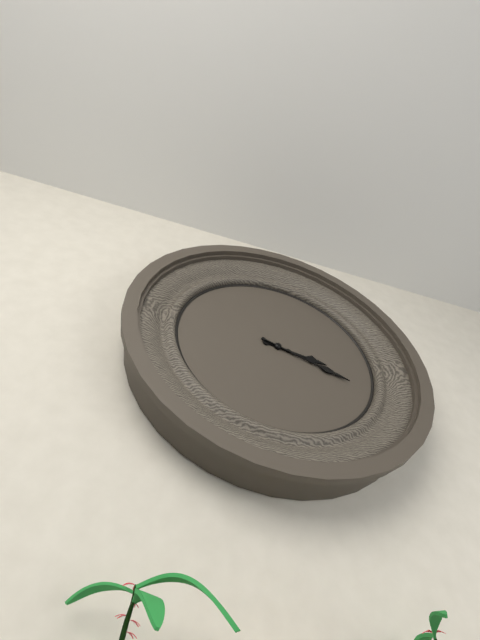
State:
3h18
